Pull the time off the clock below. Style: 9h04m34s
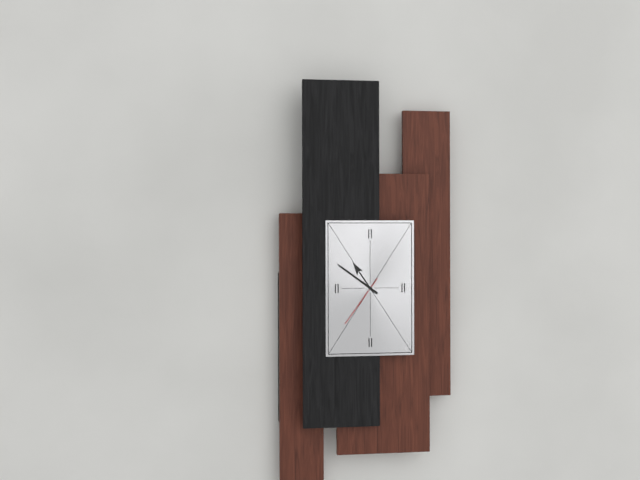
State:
10h51m36s
